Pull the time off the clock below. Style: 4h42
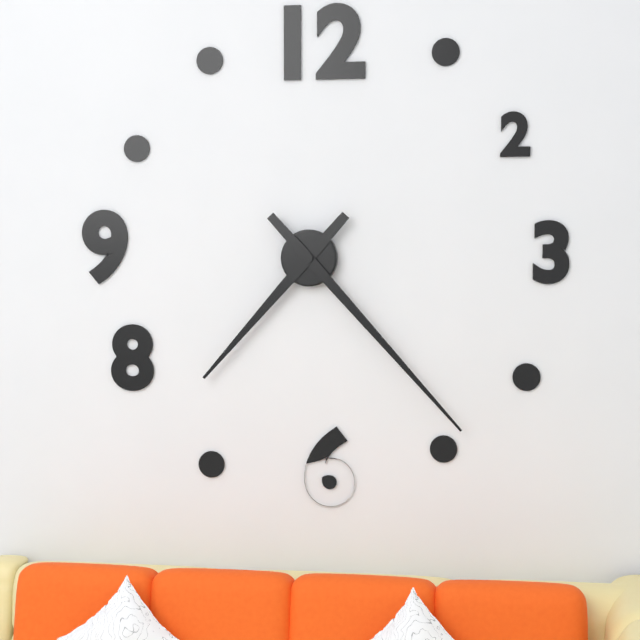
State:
7h23
